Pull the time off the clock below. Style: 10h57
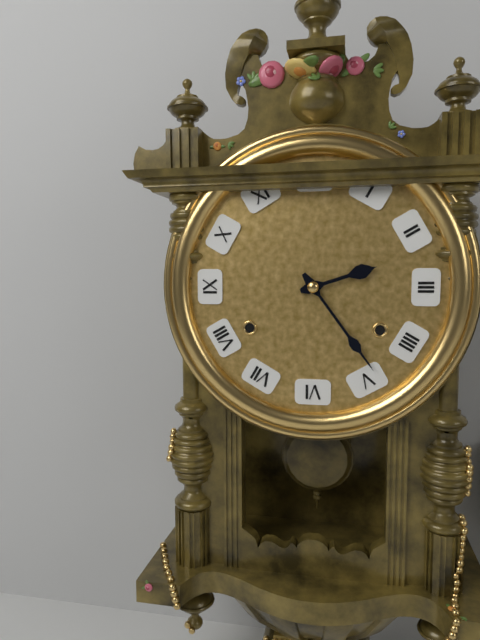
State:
2h24
